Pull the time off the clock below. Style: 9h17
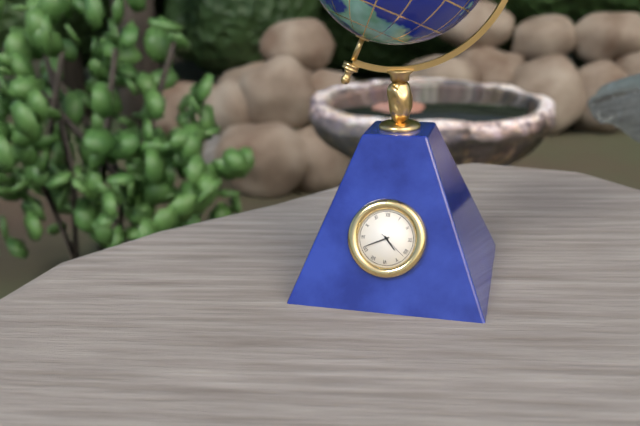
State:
4h41
